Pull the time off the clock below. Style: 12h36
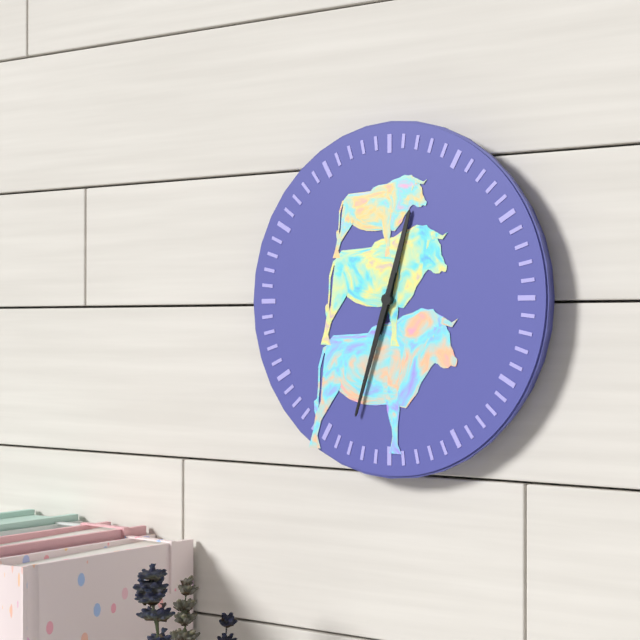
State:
12h33
